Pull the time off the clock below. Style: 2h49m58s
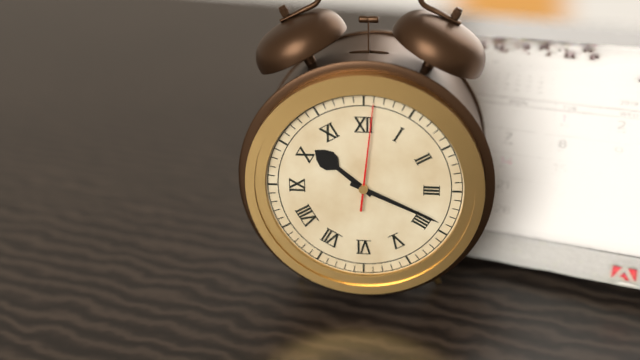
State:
10h19m01s
